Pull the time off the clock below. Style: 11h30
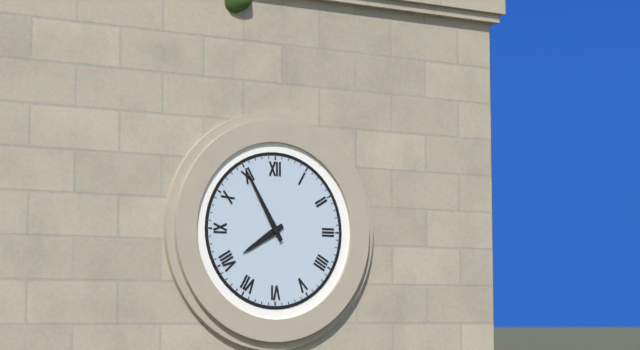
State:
7h55
